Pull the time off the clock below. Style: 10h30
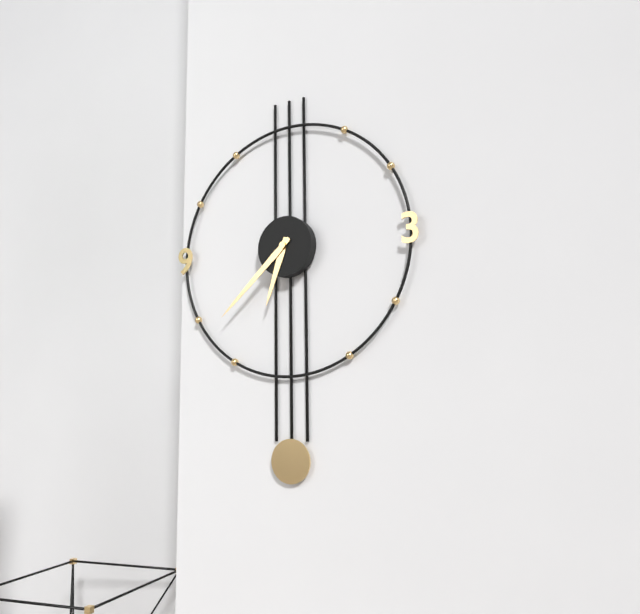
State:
6h38
